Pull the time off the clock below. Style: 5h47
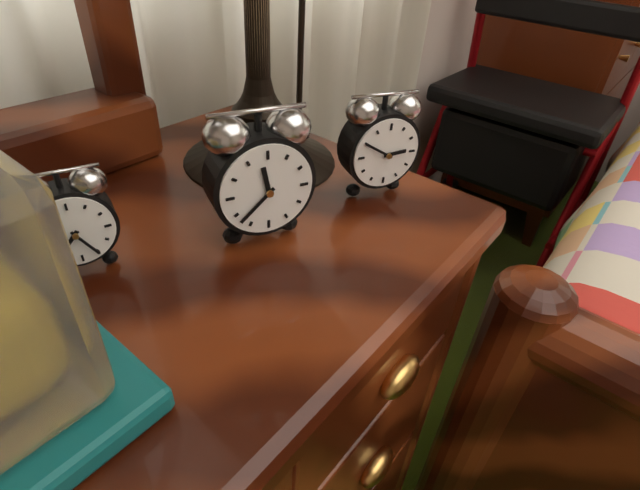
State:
11h38
